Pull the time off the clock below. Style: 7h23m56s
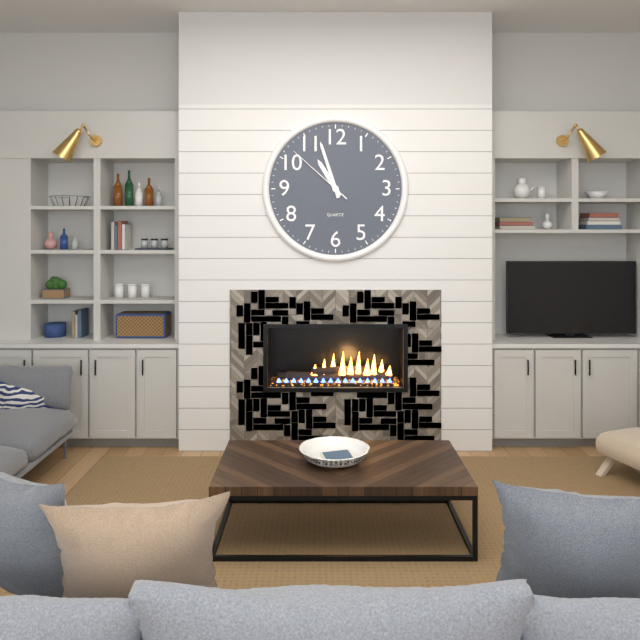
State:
10h57m52s
